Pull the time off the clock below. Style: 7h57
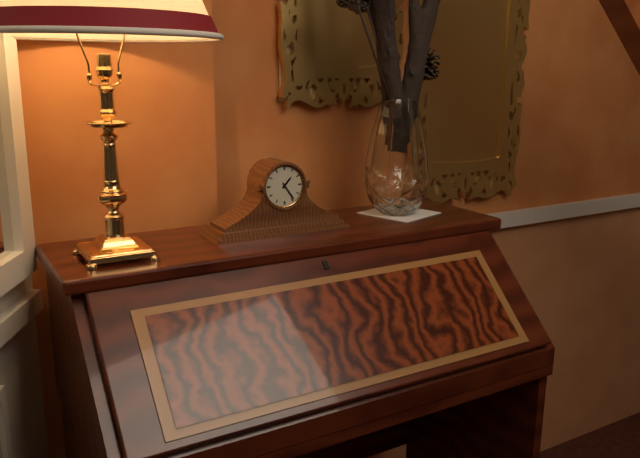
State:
1h24
